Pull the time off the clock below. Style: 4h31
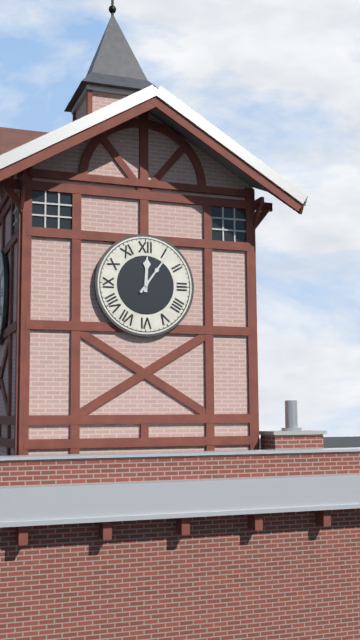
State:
12h06
